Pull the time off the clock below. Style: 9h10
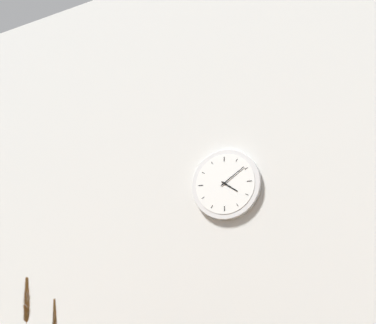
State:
4h09
